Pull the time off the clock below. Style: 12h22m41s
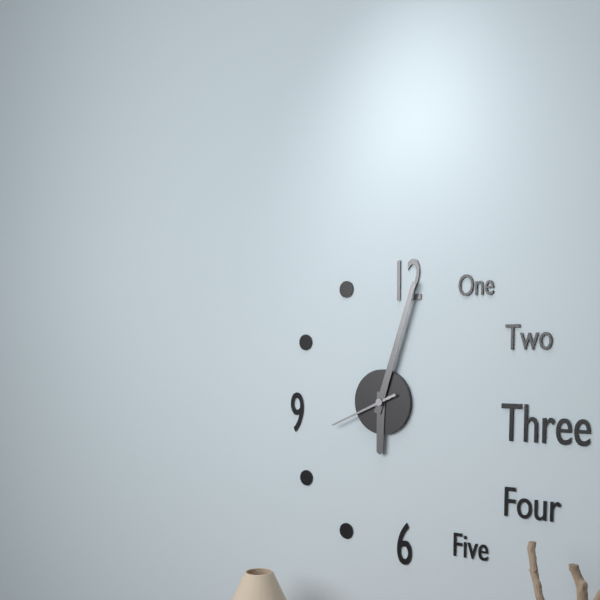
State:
6h03m41s
